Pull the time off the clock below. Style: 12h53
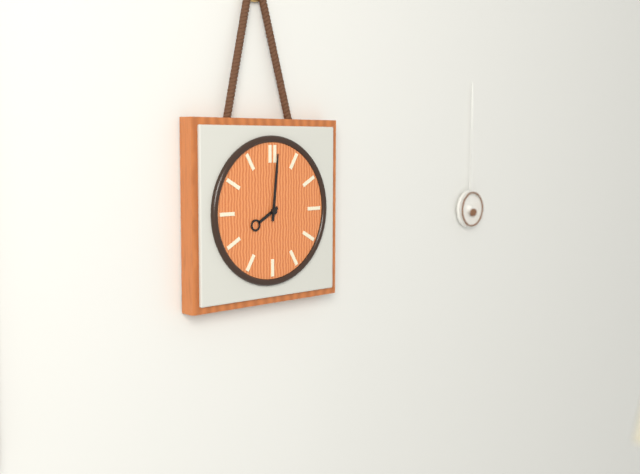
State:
8h01
